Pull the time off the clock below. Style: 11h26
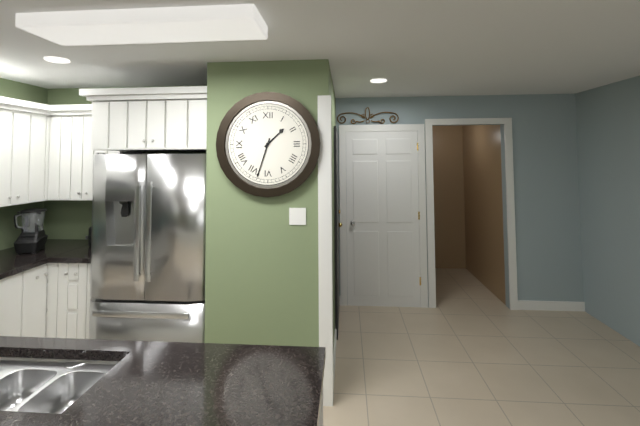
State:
1h33
